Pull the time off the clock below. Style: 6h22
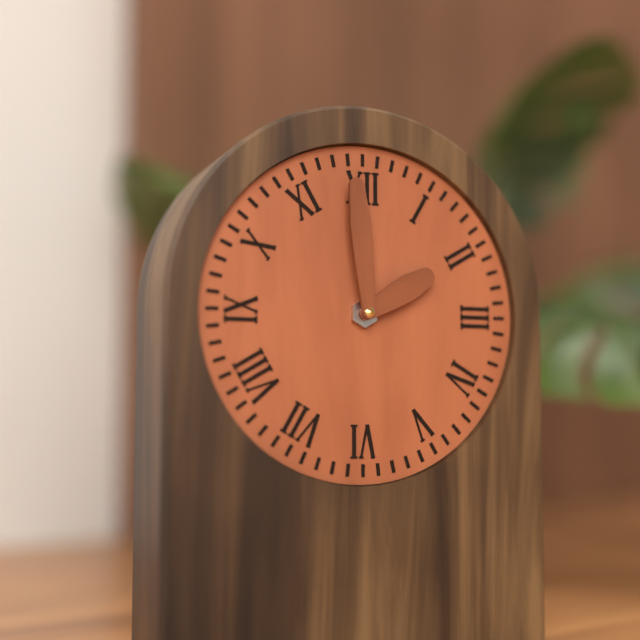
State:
1h59
